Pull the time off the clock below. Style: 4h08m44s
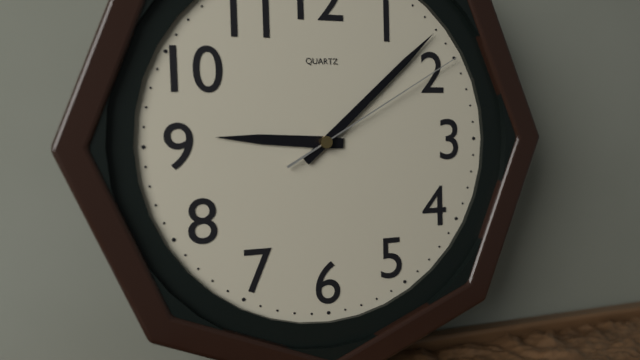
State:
9h08m10s
